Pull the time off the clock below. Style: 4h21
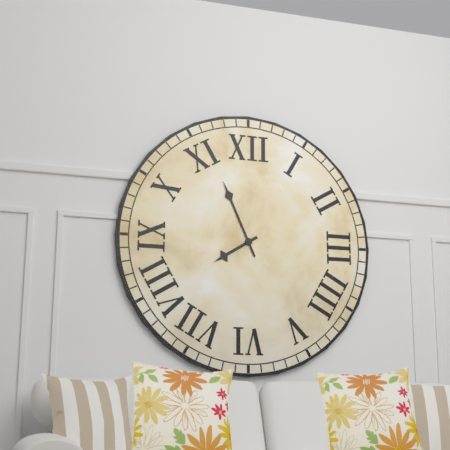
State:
7h56
